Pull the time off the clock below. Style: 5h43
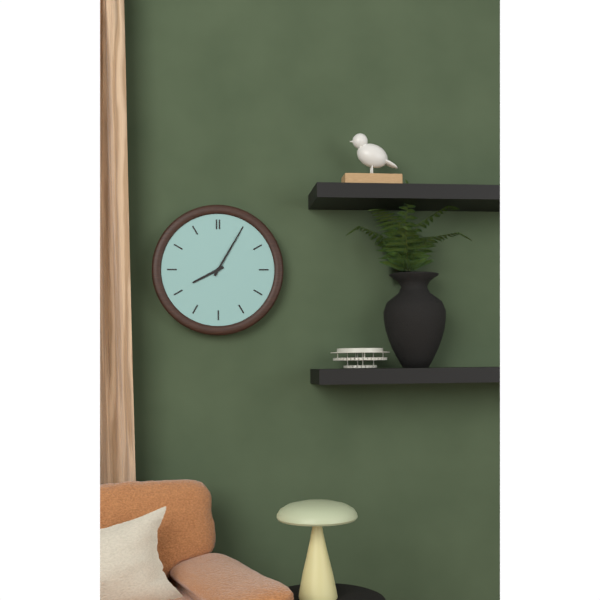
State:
8h05
